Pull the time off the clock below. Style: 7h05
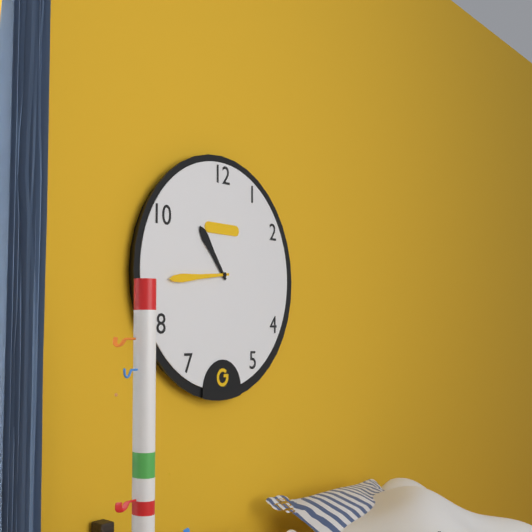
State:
10h44
